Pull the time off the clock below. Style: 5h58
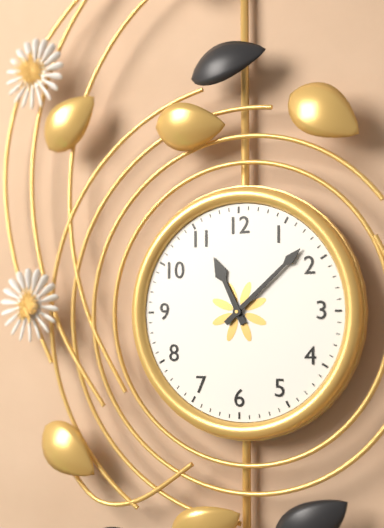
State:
11h08
